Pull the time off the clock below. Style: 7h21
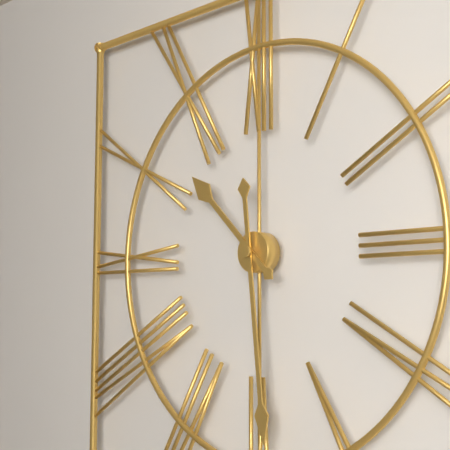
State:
10h29
